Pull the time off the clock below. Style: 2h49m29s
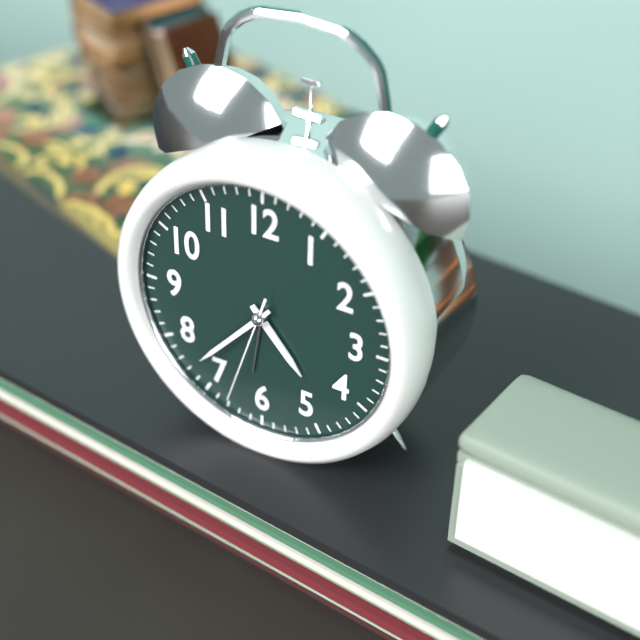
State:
4h37m33s
